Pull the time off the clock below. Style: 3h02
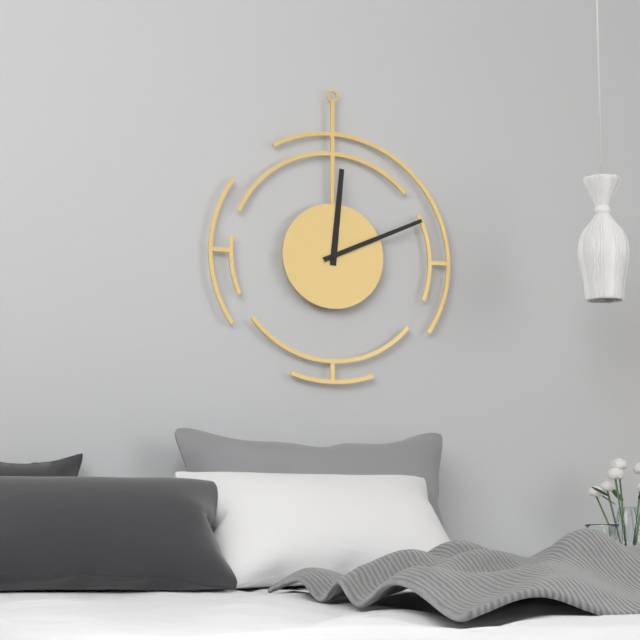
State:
12h11
